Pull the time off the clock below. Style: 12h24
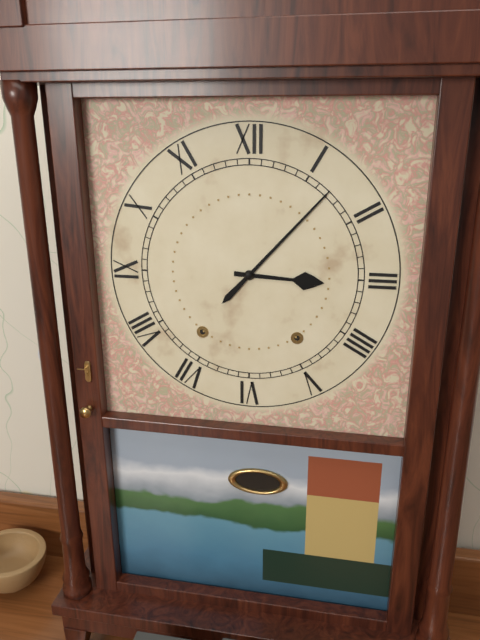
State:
3h07
